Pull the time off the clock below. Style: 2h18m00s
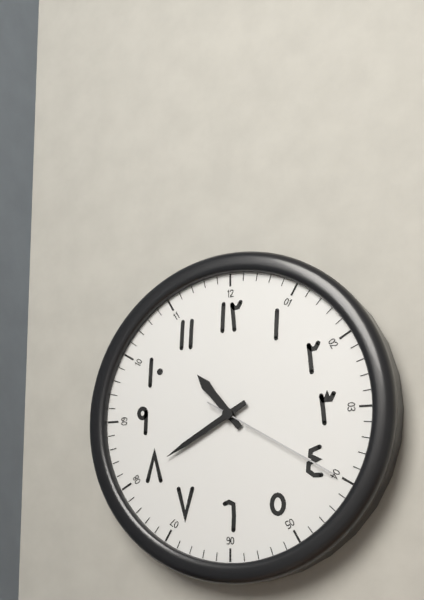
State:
10h40m20s
